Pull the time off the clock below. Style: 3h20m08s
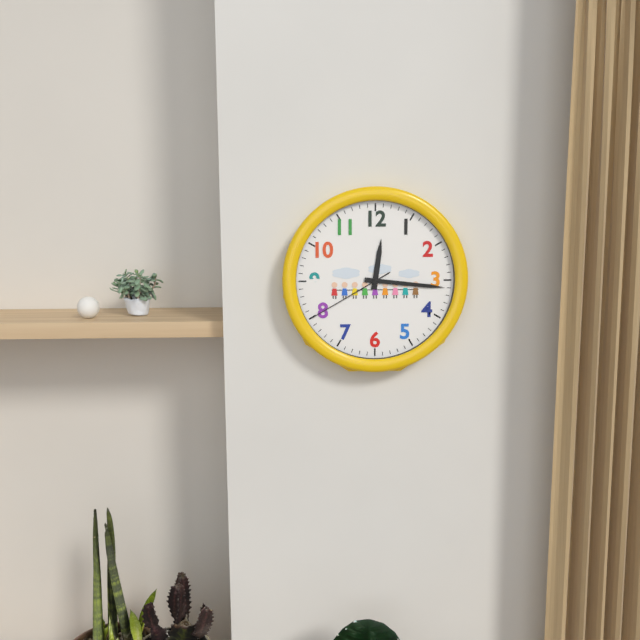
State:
12h16m40s
